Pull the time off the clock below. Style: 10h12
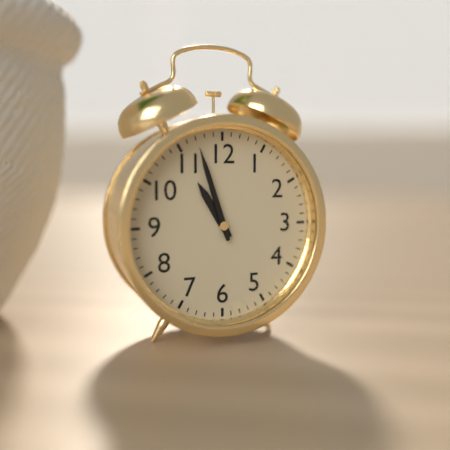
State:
10h57
